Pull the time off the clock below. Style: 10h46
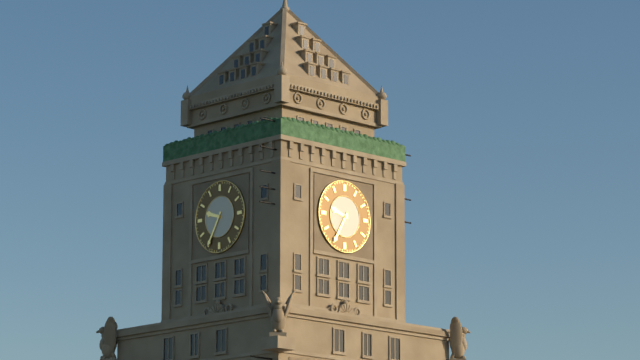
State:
9h35
